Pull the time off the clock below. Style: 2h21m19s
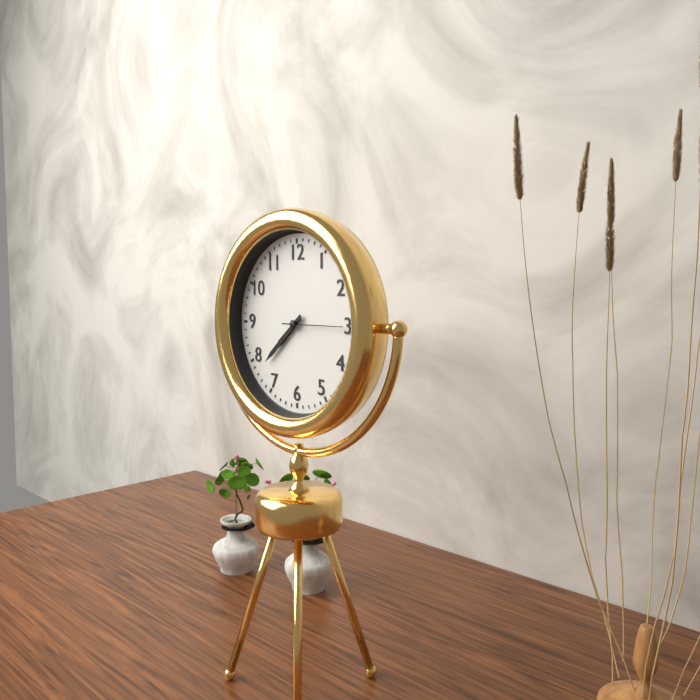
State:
7h38m15s
